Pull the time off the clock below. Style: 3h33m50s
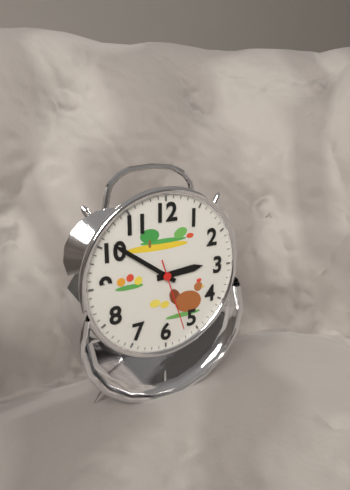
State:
2h51m27s
